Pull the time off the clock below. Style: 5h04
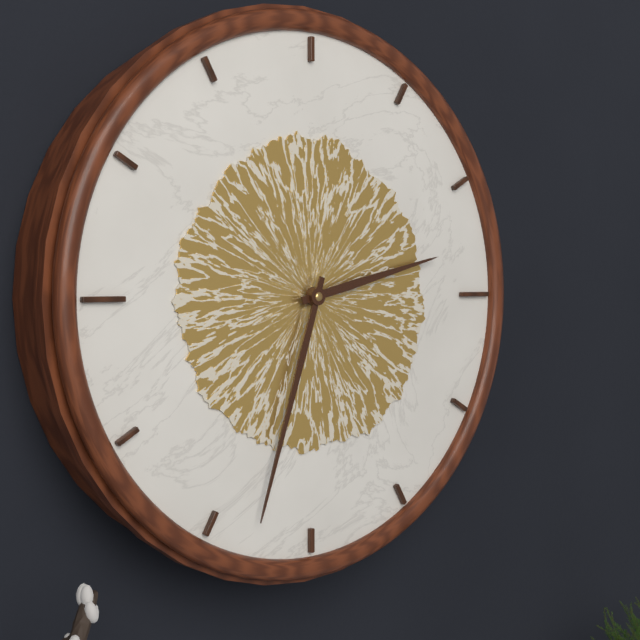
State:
2h33
